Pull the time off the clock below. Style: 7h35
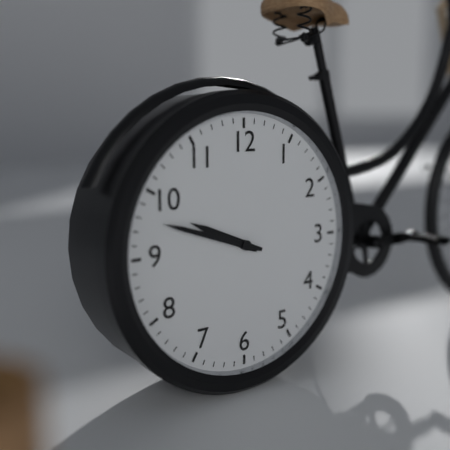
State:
9h48
